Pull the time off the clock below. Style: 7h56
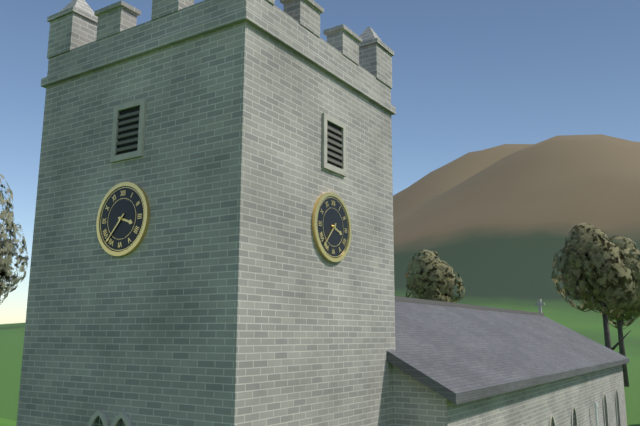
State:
3h37
